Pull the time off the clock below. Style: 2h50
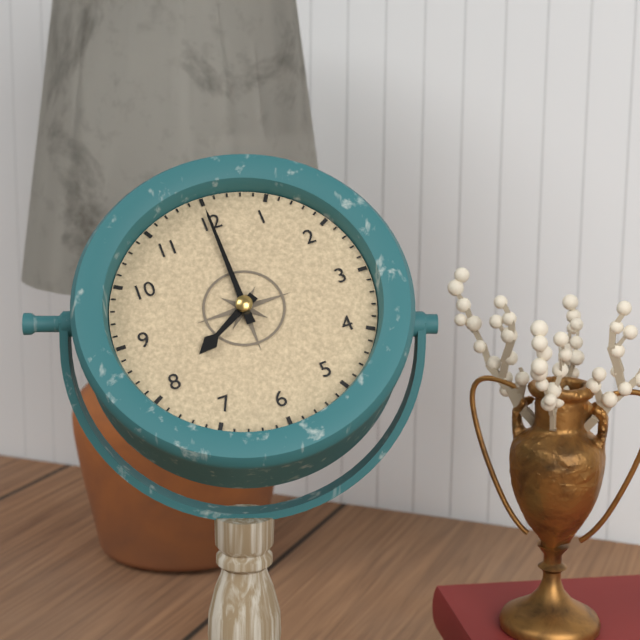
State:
8h00
